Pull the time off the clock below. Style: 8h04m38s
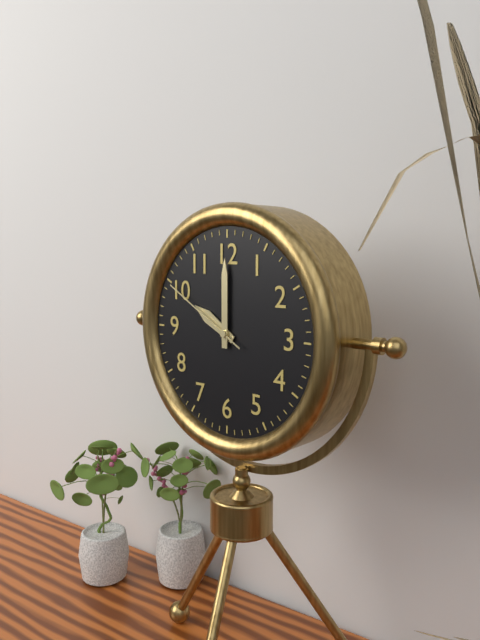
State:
10h00m50s
